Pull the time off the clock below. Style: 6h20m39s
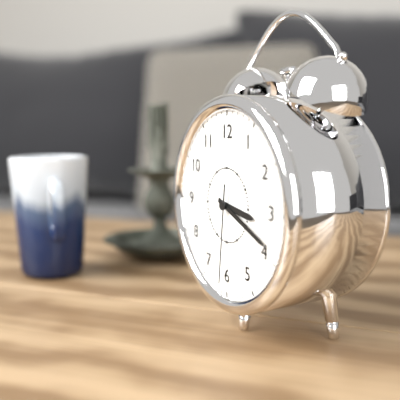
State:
3h19m31s
